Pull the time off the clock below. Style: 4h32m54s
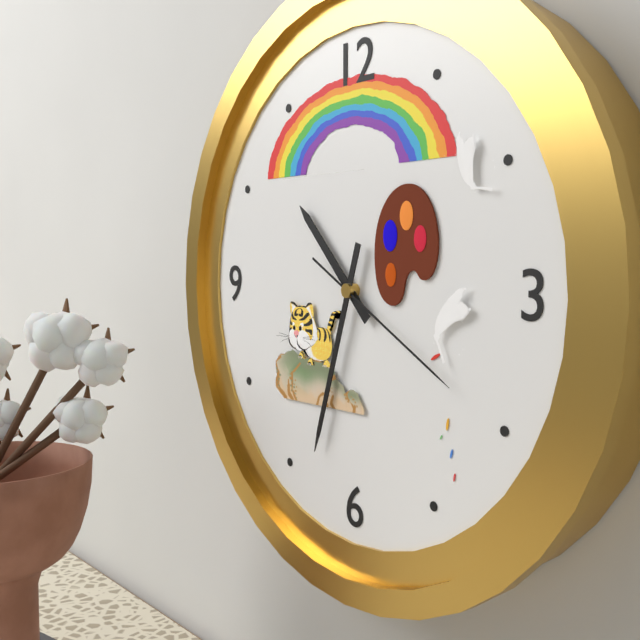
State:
10h33m20s
